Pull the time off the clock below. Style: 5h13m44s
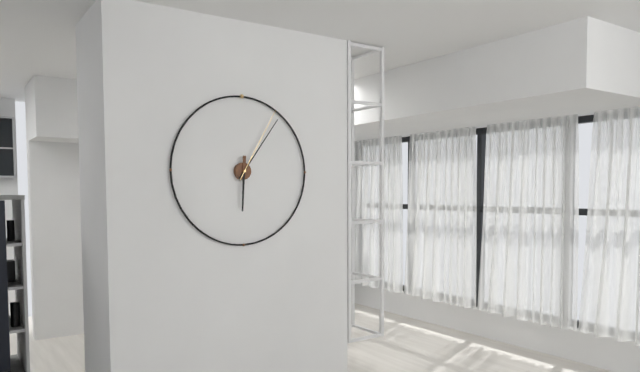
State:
6h06m05s
